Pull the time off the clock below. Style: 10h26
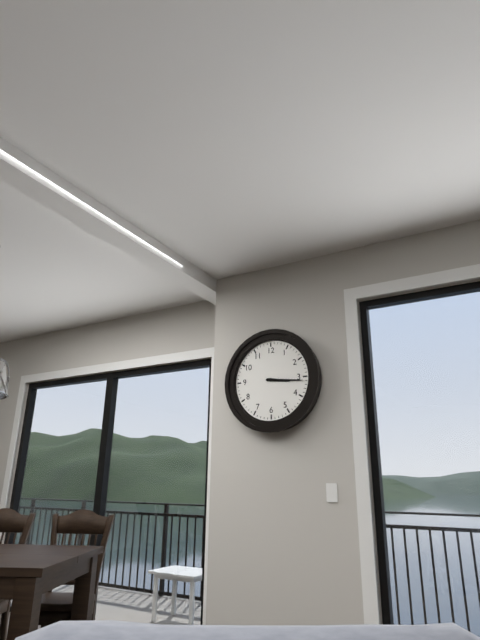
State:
3h16
